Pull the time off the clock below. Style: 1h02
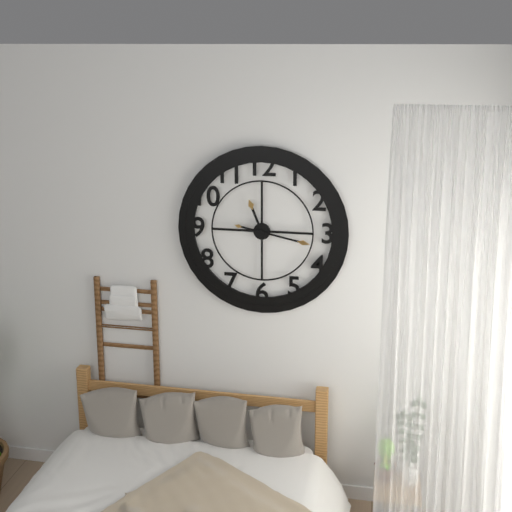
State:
11h17
